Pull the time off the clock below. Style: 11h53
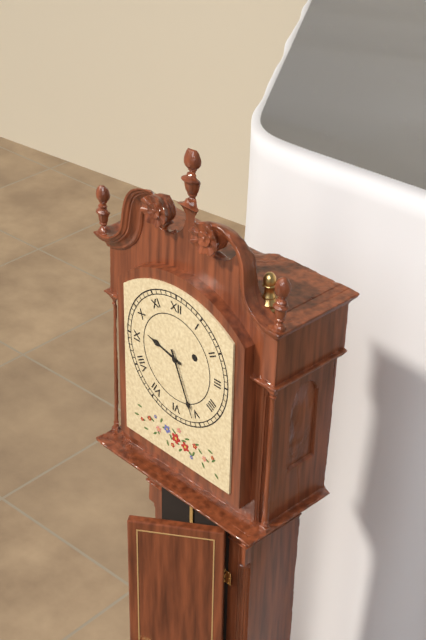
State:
9h26
